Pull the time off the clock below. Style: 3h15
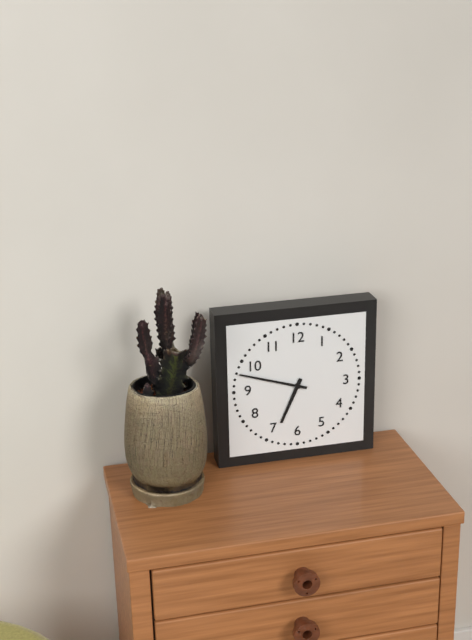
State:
6h48
